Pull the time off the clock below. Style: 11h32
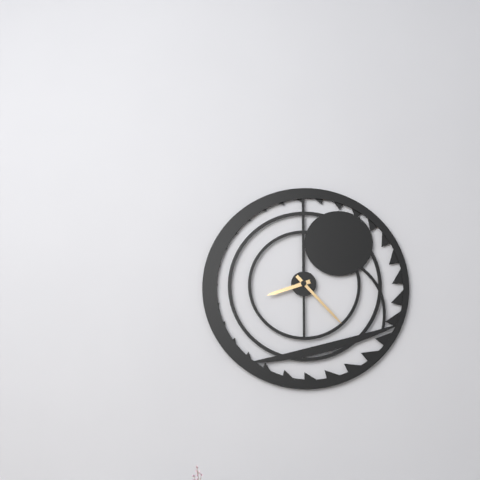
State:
8h23
